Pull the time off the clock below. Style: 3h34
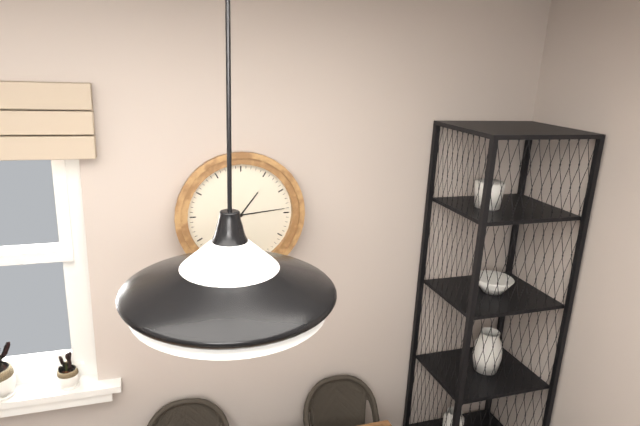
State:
1h14
